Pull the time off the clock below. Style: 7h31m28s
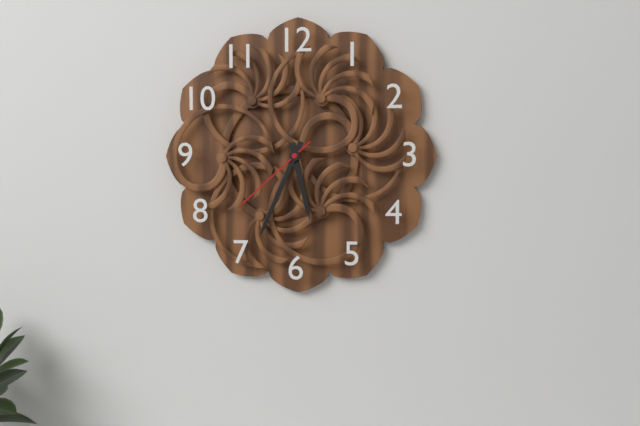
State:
5h34m38s
